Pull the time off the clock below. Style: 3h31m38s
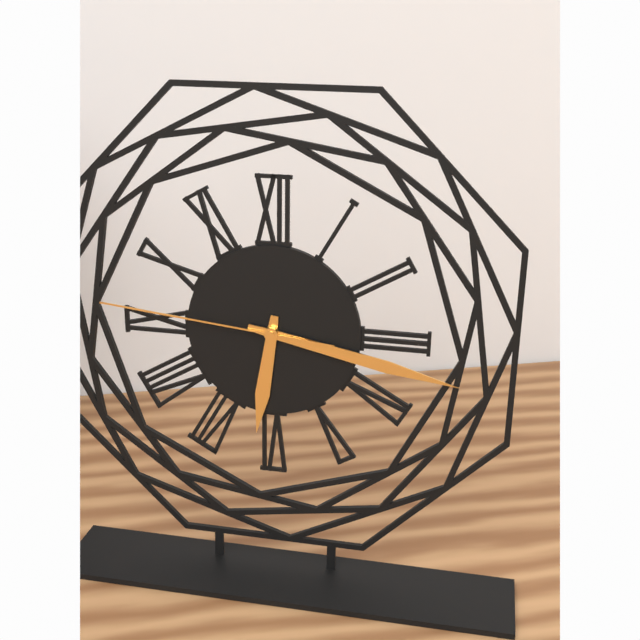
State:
6h17m46s
